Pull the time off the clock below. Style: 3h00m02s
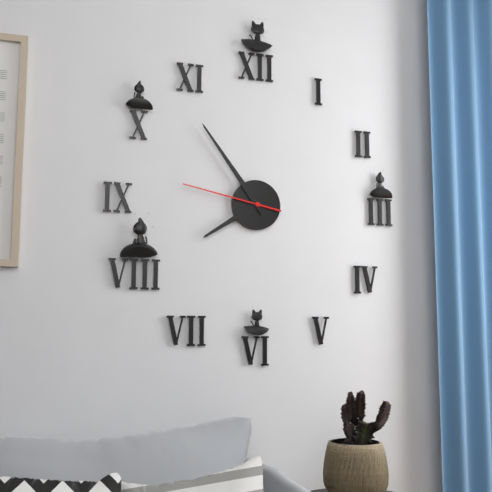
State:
7h54m47s
